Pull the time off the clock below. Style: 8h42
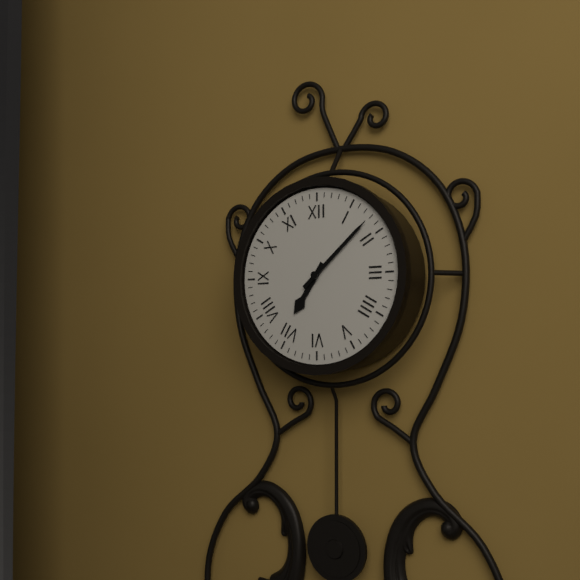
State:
7h08
